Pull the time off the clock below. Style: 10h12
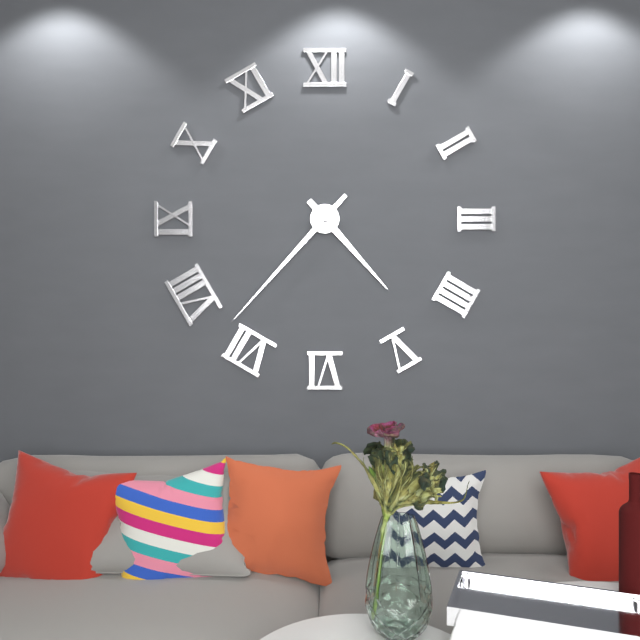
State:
4h37
